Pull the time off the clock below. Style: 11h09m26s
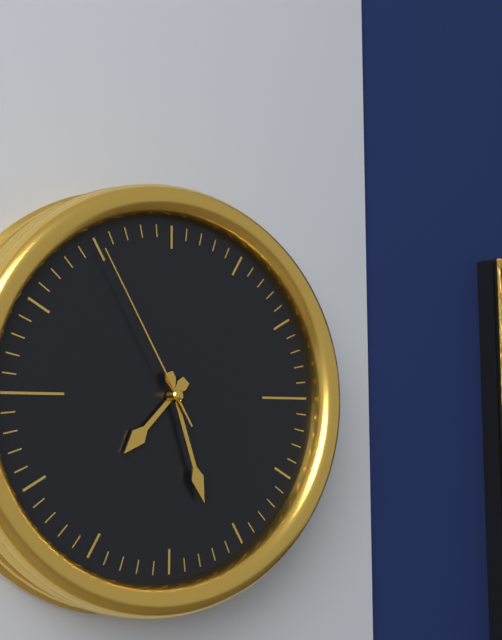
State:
7h27m55s
